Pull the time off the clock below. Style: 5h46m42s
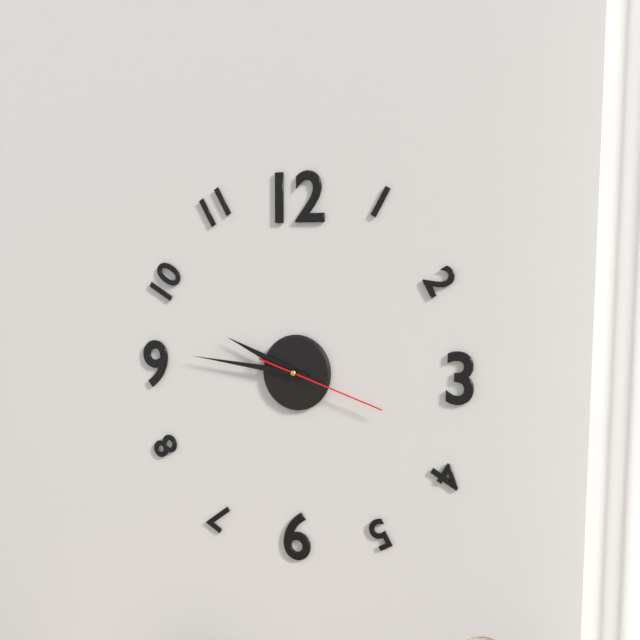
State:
9h46m18s
